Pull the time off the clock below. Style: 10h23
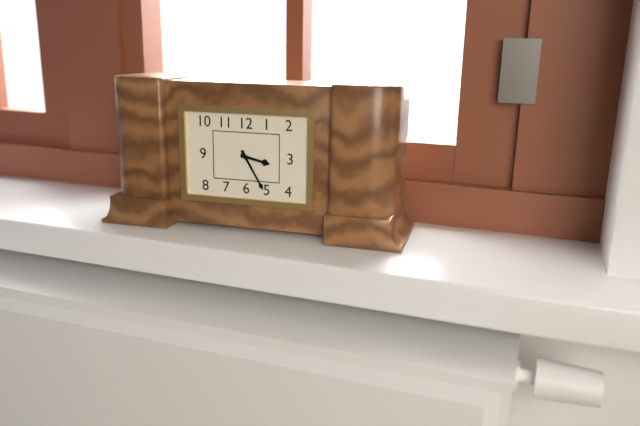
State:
3h25
